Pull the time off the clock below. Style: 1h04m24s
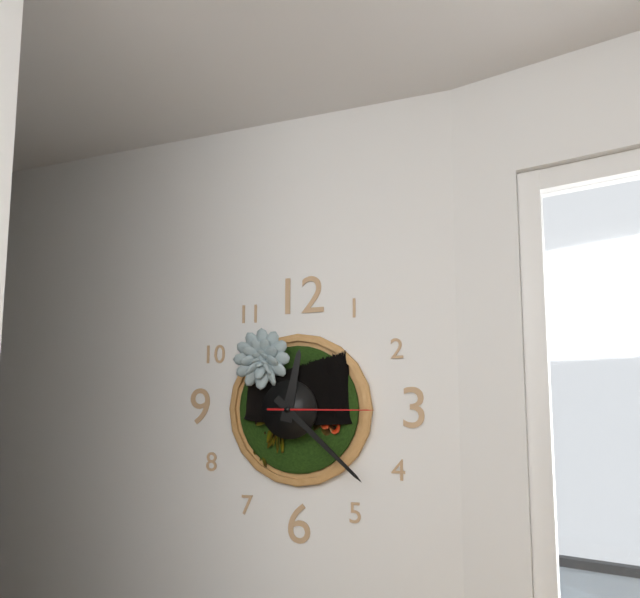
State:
12h22m15s
